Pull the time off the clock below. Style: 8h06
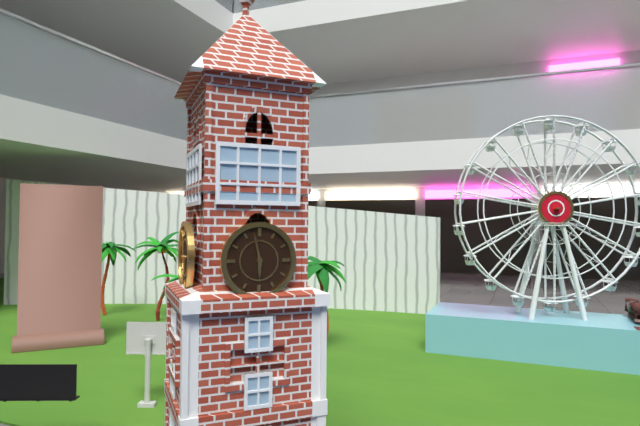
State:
5h58
